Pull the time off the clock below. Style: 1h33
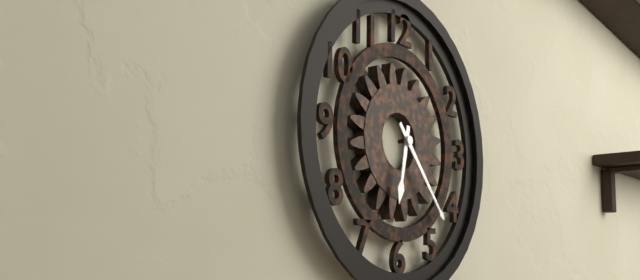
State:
6h23
